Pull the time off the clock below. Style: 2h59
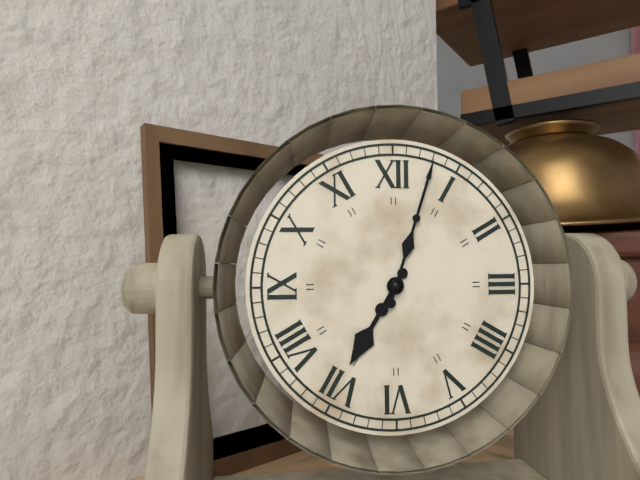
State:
7h03
